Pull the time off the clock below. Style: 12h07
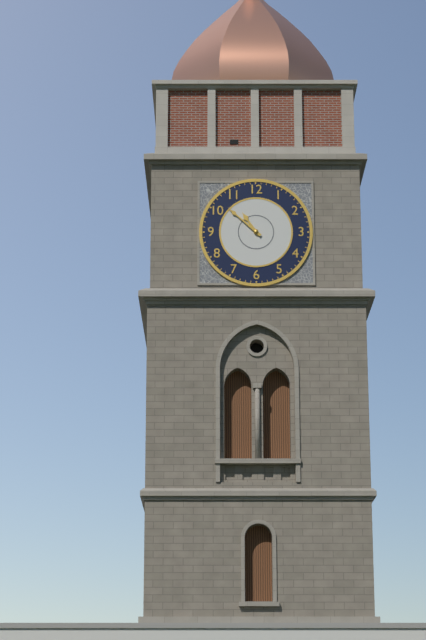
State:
10h52
